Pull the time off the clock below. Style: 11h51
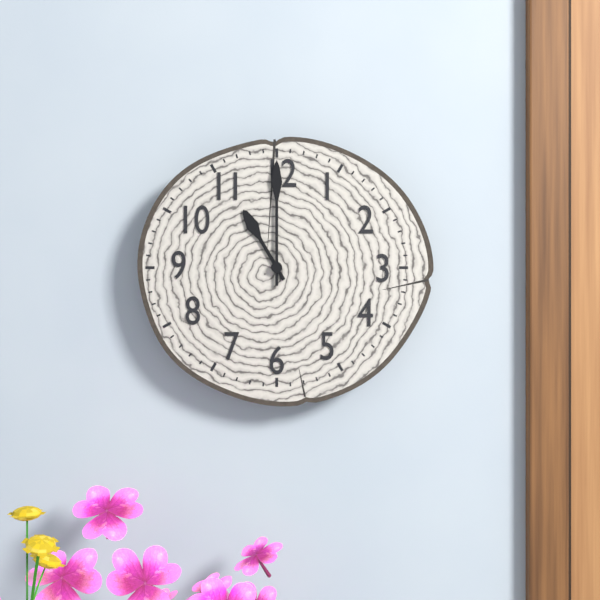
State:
11h00
